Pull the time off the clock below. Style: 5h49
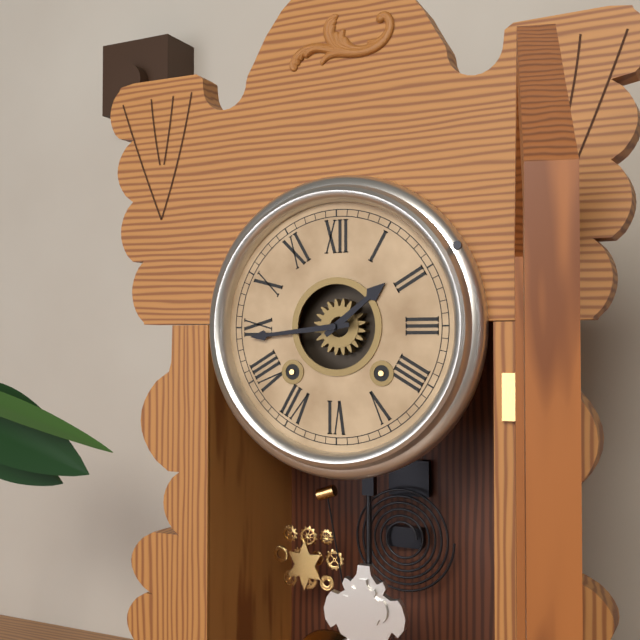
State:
1h44
